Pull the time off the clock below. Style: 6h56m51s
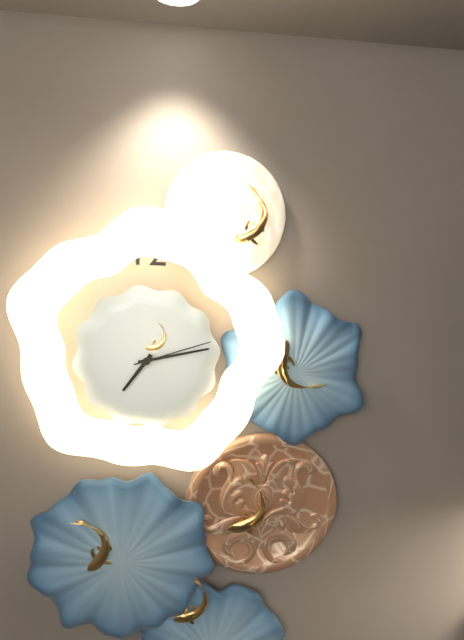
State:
7h13m12s
